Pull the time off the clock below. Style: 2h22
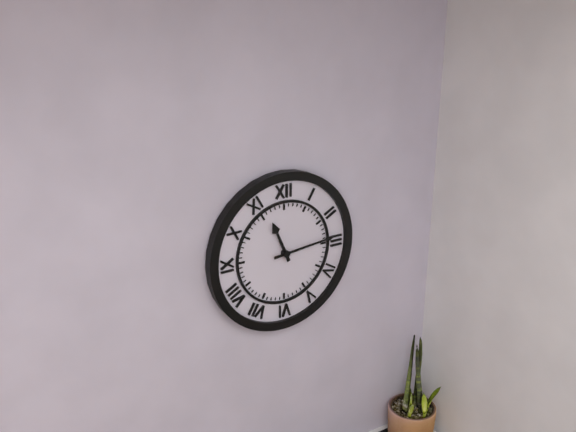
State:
11h14
